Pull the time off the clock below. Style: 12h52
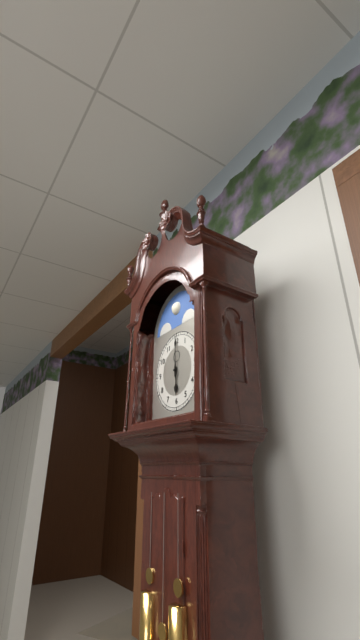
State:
6h00
